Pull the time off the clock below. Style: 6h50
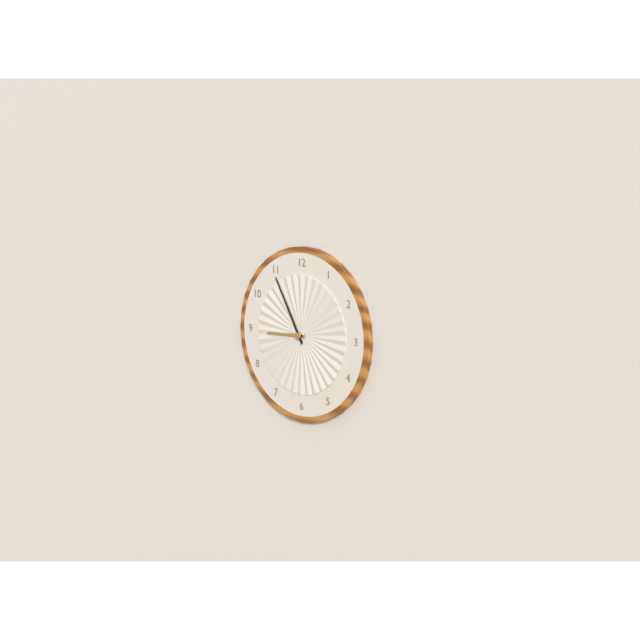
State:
8h55
